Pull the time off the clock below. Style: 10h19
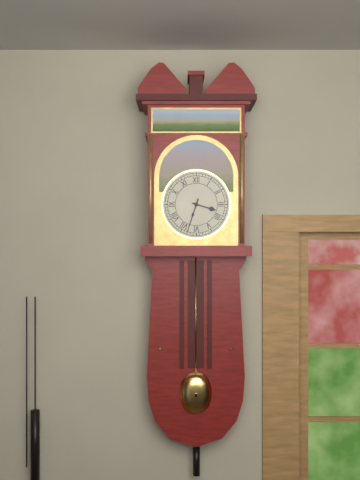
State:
3h33
